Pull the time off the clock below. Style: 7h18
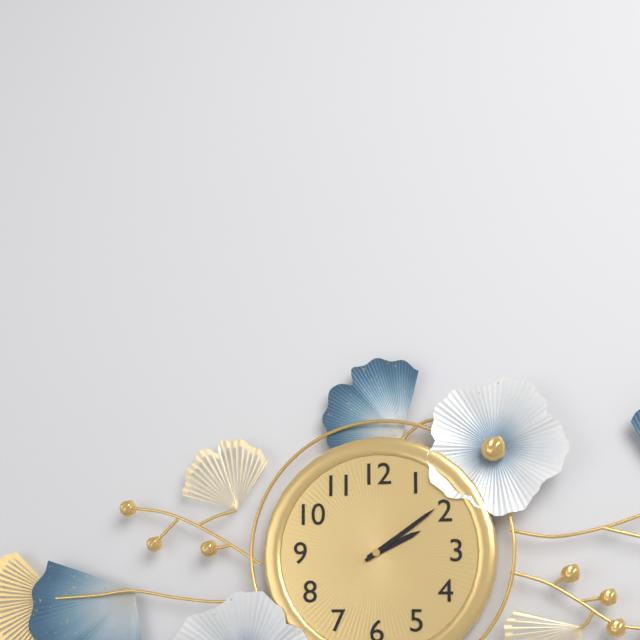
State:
2h09
